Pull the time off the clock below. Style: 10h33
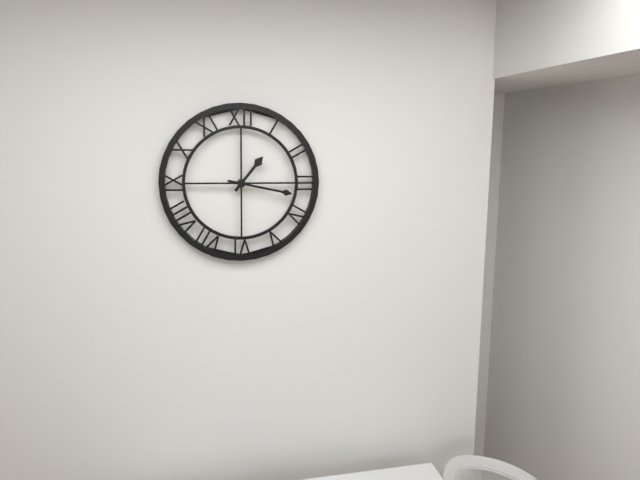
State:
1h17
